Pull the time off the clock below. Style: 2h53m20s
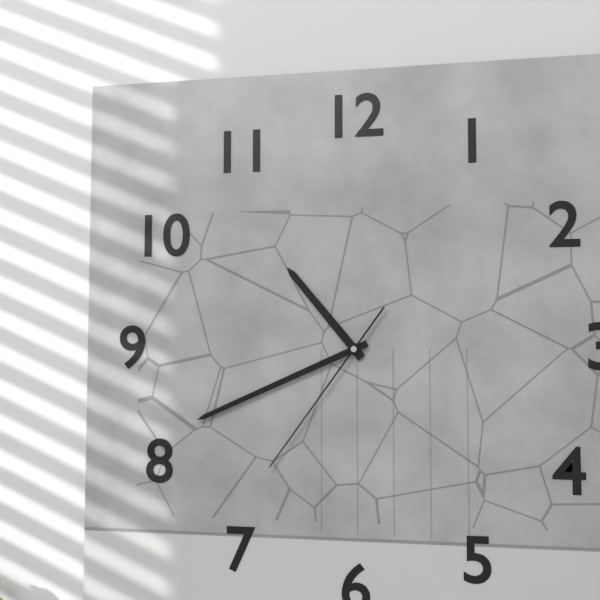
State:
10h41m36s
